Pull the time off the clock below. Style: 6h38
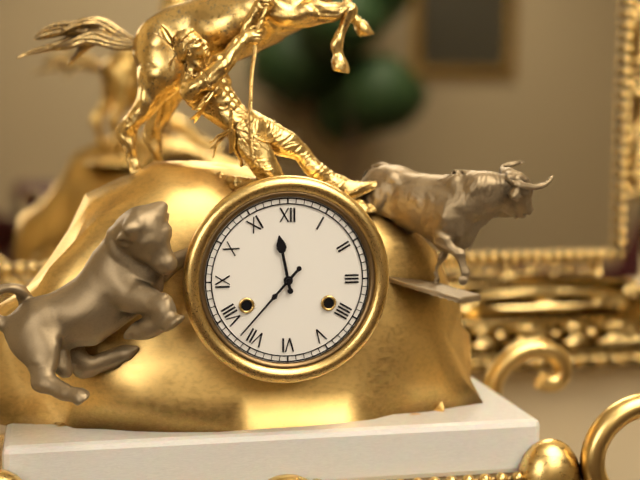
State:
11h37
